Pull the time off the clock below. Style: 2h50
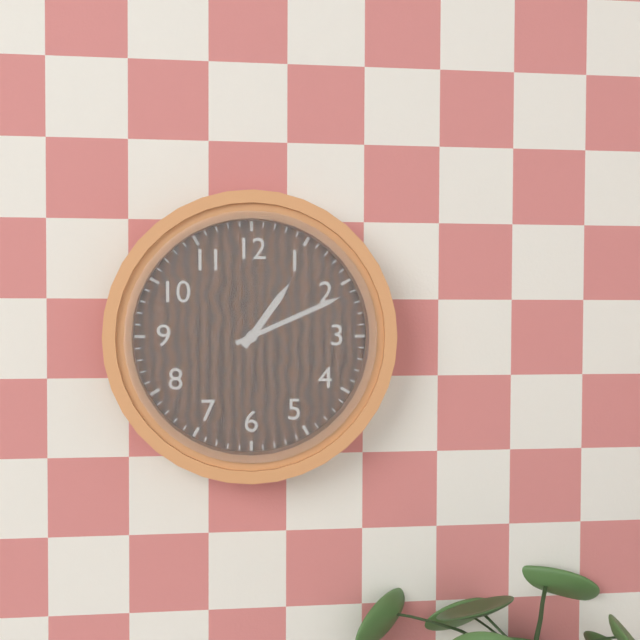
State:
1h11
